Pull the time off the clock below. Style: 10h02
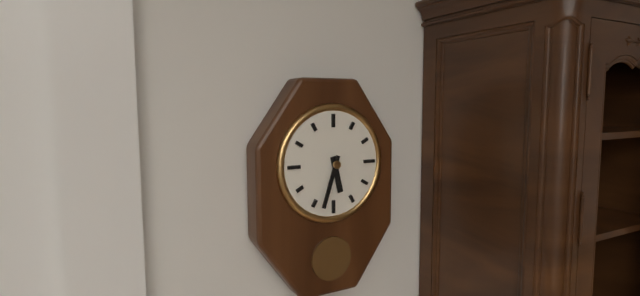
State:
5h33
